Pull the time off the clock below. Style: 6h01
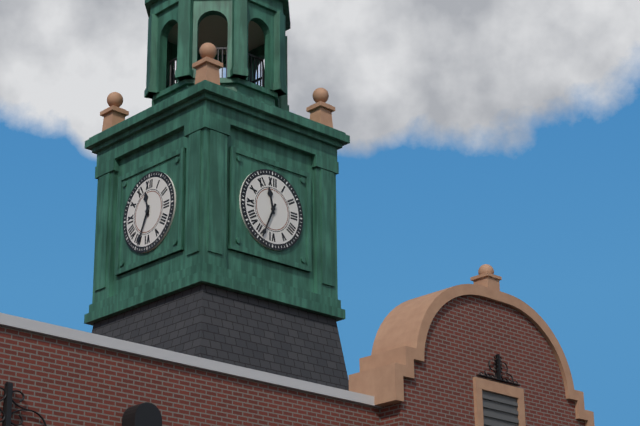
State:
11h34
